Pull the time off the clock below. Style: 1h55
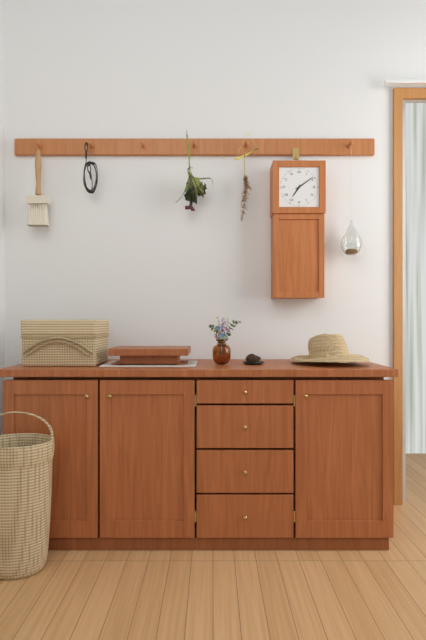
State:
7h09
